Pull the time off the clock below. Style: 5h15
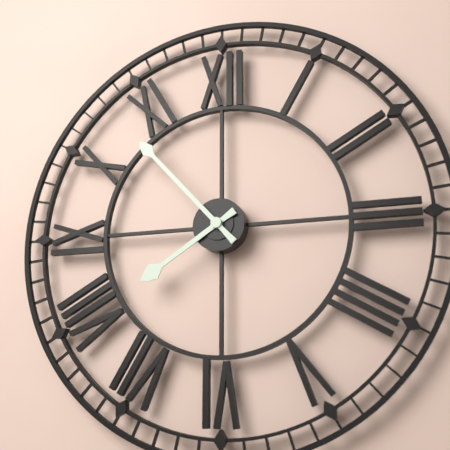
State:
7h53
